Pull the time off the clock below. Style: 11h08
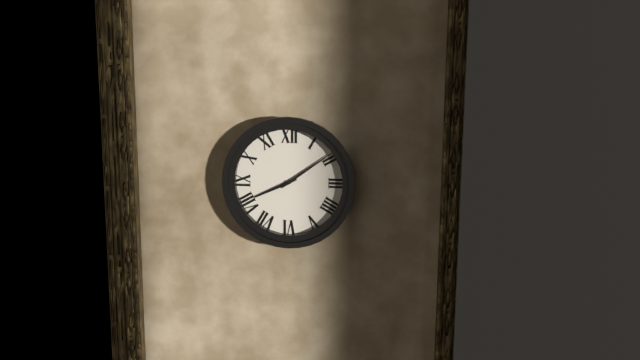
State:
8h09
